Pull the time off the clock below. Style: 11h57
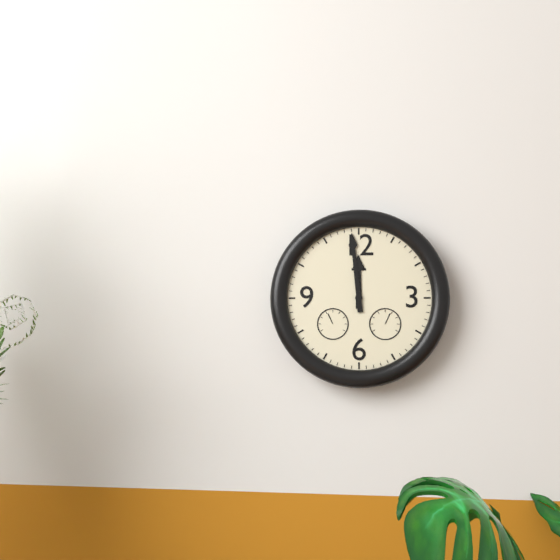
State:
11h59
